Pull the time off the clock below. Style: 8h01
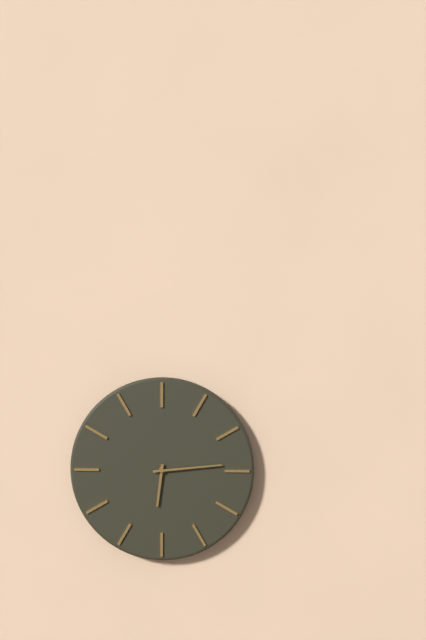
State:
6h14
